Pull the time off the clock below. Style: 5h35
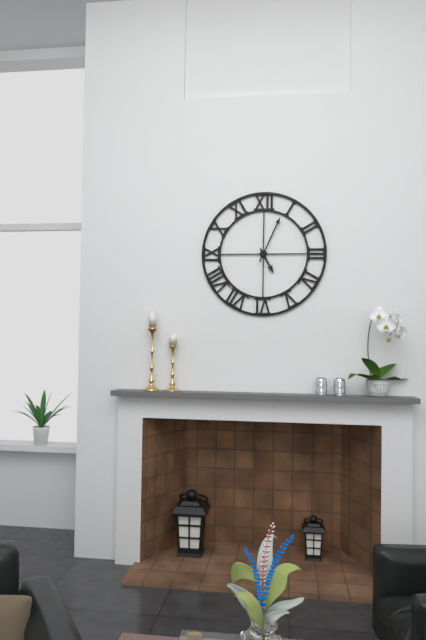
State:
5h04
